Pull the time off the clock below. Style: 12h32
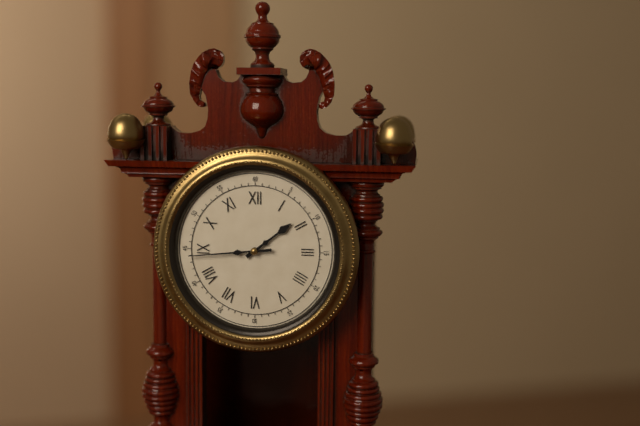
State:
1h44
